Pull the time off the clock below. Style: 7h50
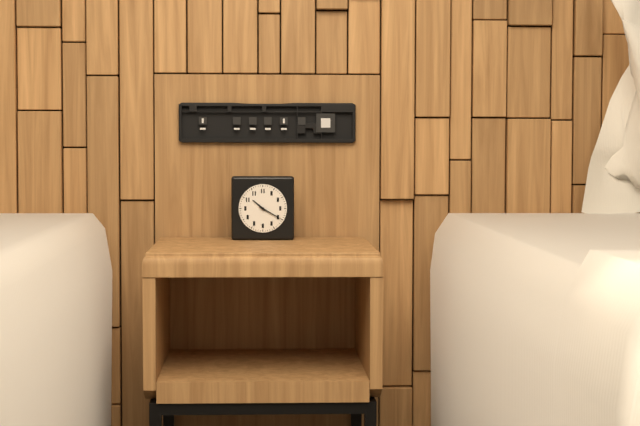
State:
10h20
